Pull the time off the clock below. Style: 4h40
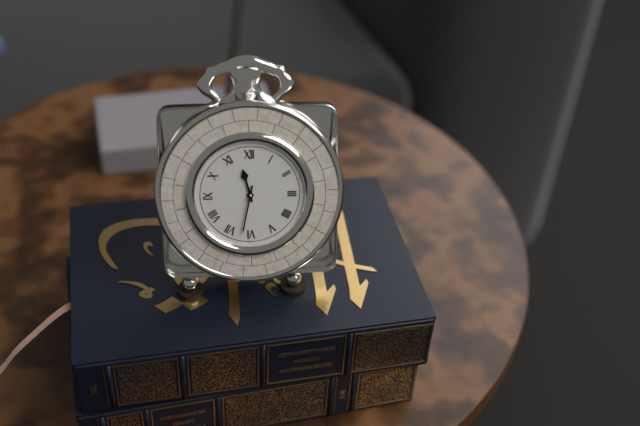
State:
11h32
